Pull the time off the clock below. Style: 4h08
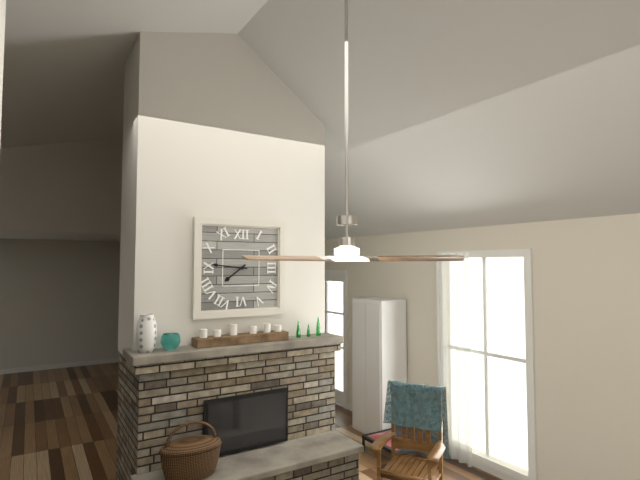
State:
7h46
